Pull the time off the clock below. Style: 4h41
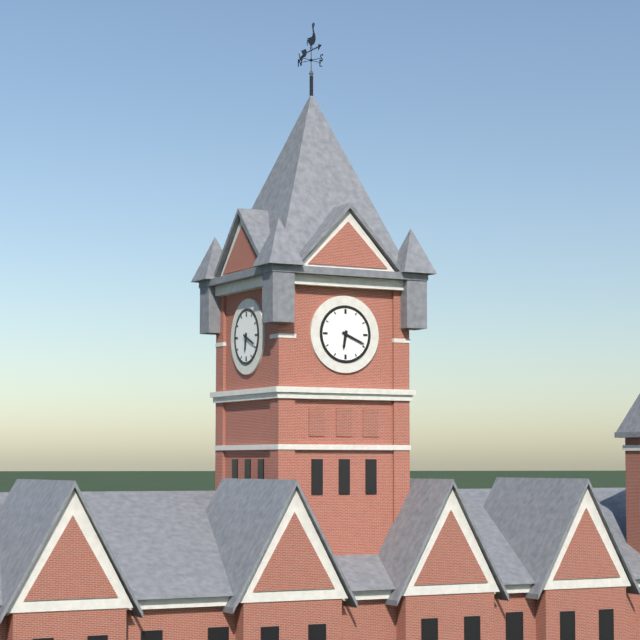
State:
6h19
